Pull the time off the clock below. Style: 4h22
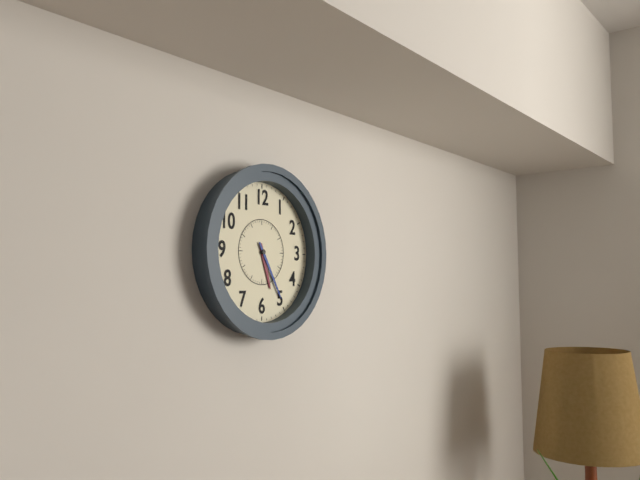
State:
5h25
